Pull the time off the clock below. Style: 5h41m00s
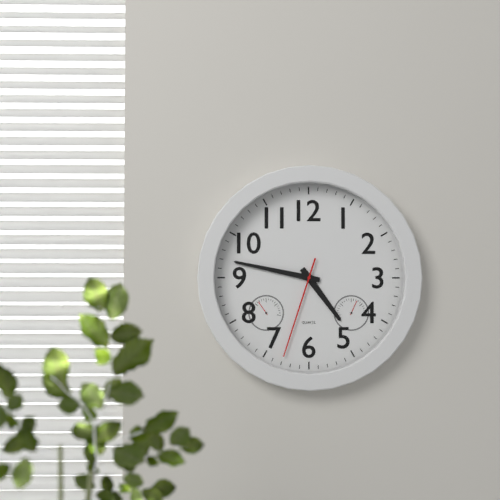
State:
4h47m33s
